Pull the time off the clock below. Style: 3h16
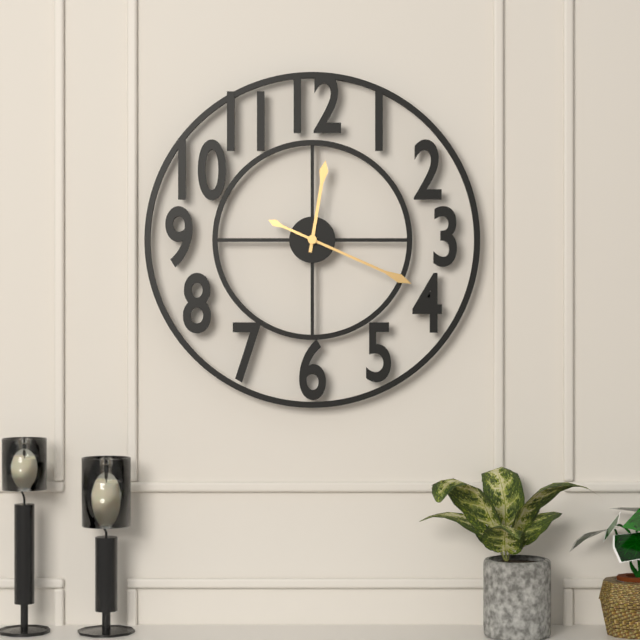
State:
12h19
